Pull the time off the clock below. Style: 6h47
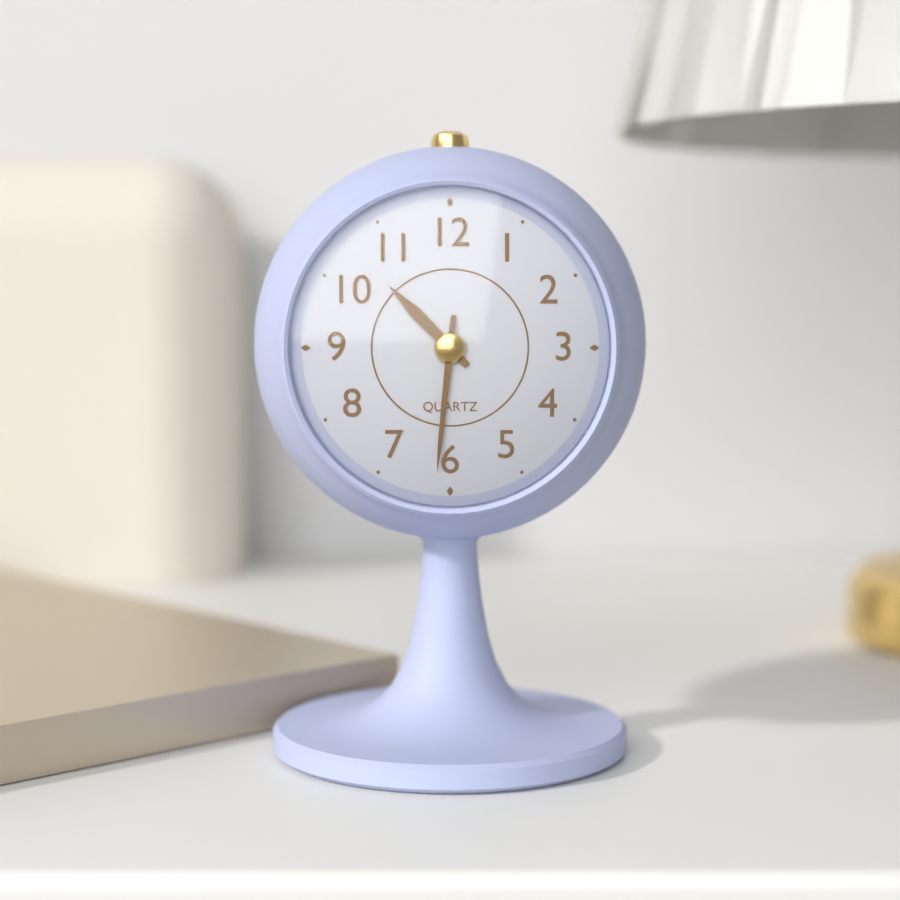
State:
10h31
